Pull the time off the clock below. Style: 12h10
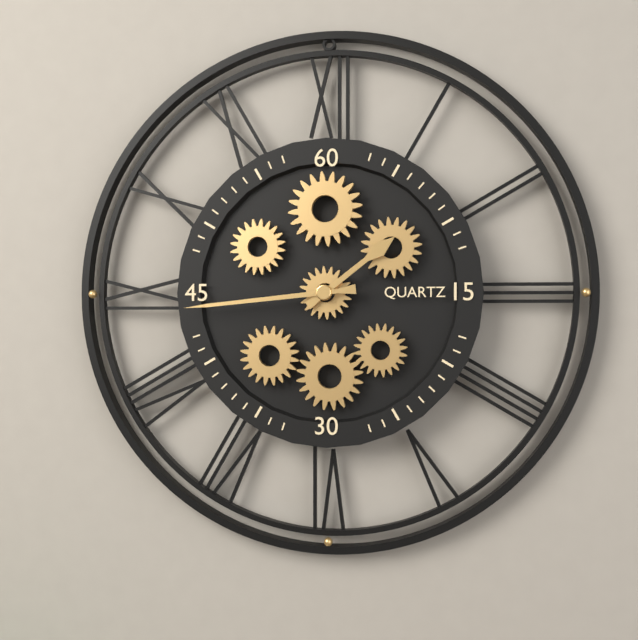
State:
1h44
